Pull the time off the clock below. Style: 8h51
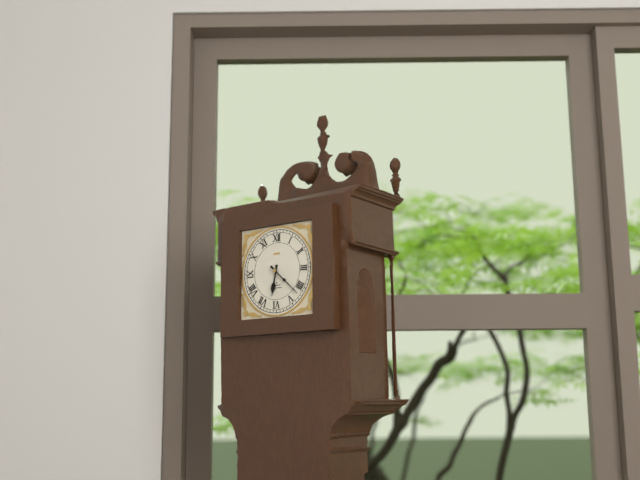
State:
6h22
